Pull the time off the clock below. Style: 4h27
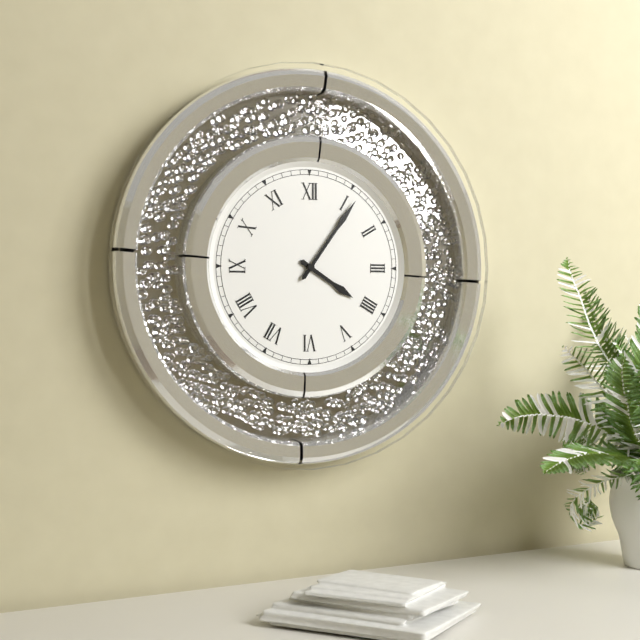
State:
4h06
